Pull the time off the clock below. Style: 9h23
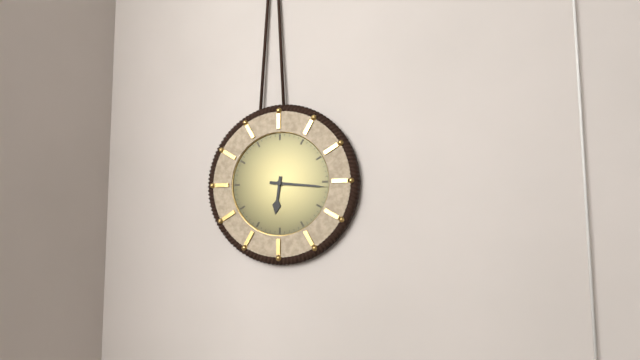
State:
6h16
